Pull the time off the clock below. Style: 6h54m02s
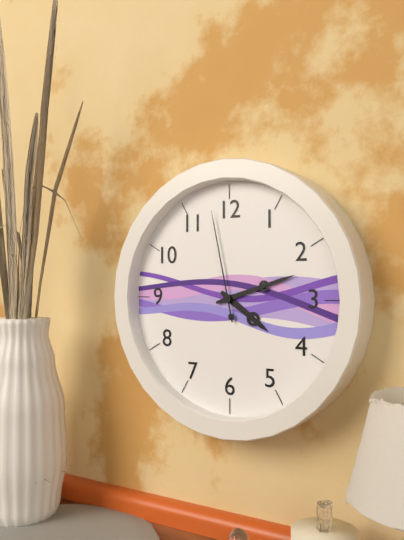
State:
4h12m58s
